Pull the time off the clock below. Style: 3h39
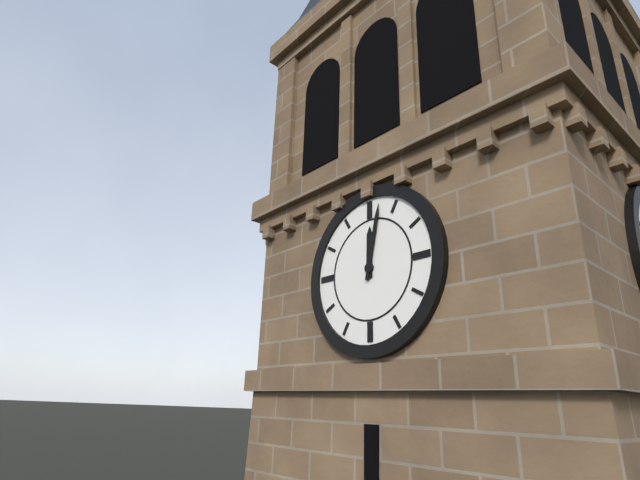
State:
12h02
